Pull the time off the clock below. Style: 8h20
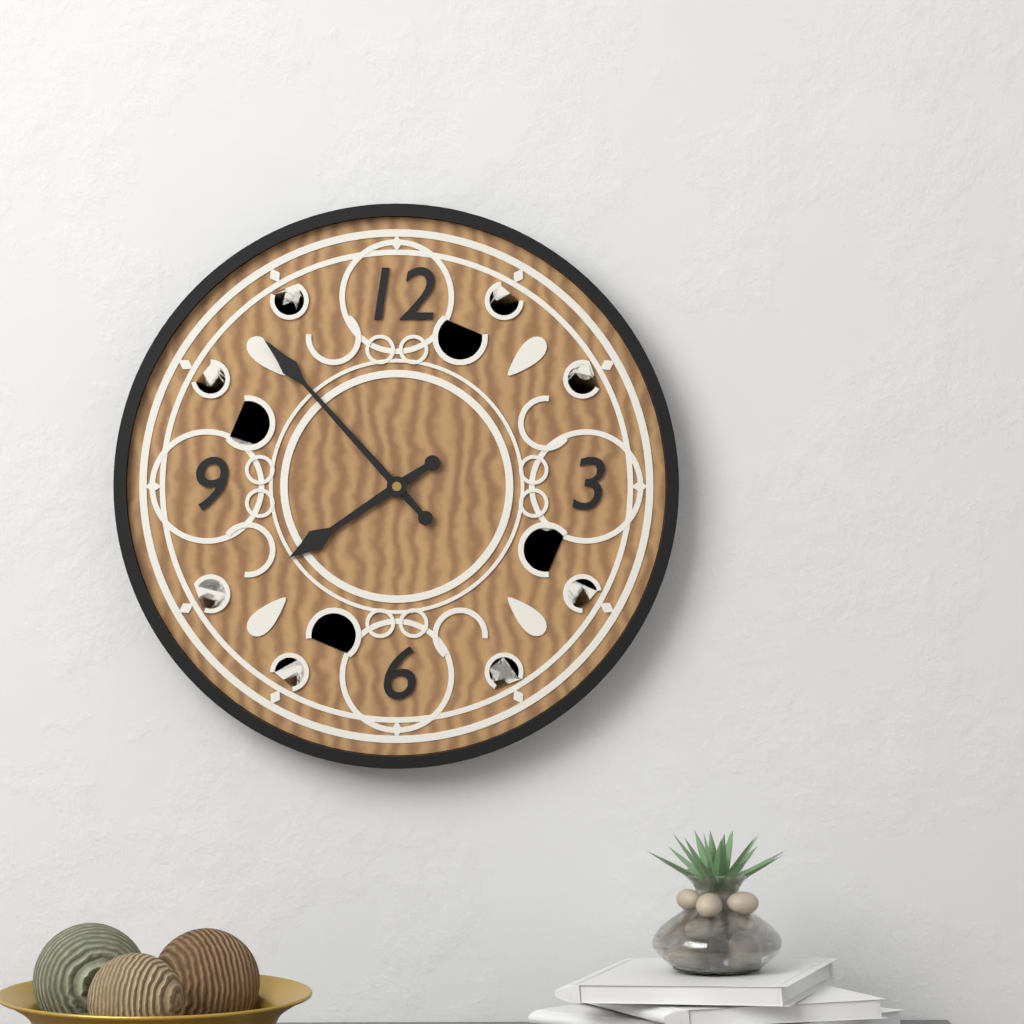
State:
7h53
